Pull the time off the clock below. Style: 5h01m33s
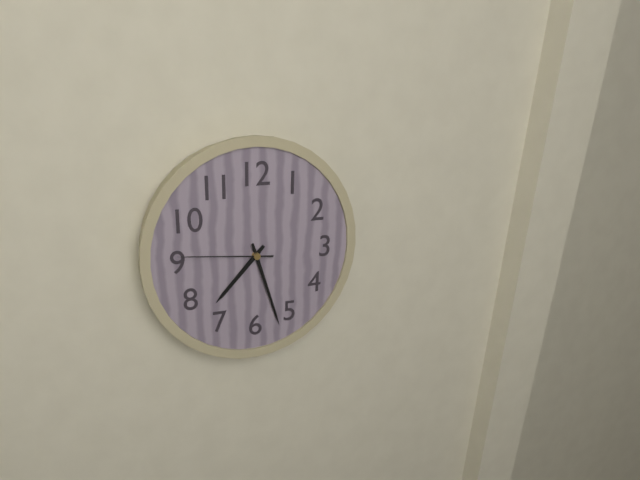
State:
7h27m46s
